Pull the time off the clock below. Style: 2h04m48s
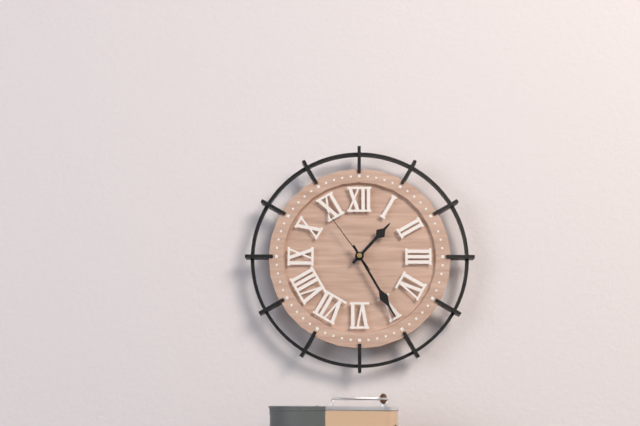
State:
1h25m54s
